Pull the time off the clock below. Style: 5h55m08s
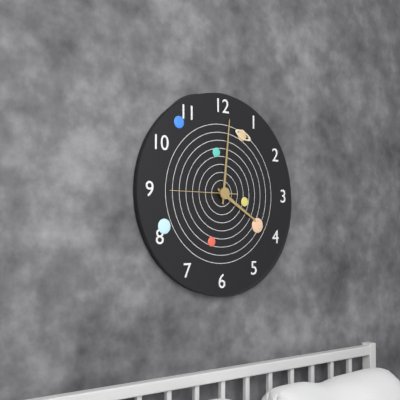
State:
4h01m45s
